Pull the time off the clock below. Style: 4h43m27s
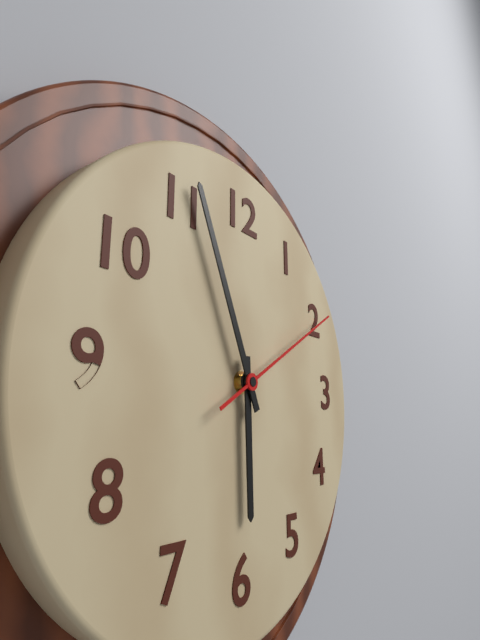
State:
5h56m10s
